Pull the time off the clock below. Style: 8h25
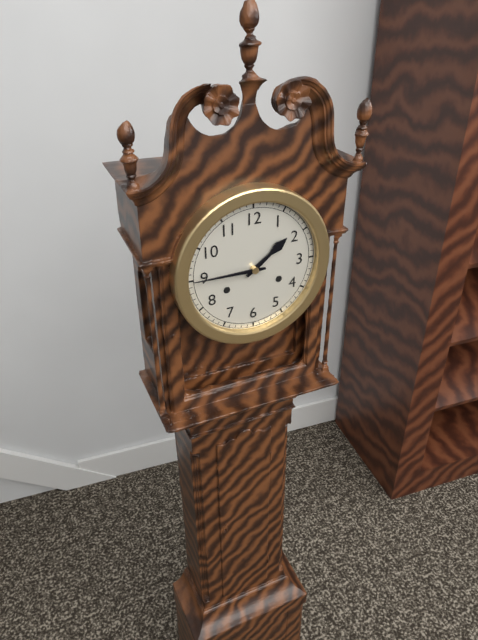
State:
1h45
